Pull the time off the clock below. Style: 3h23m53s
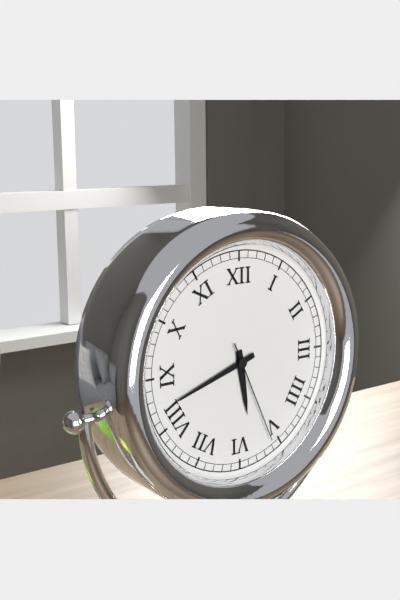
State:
5h42m26s
